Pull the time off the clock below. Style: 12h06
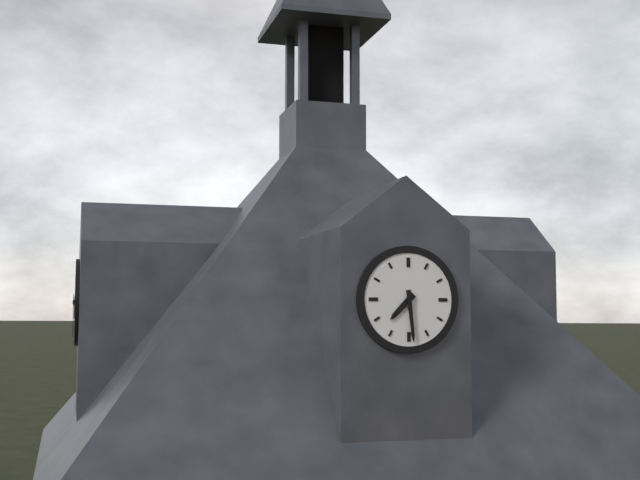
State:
7h29
